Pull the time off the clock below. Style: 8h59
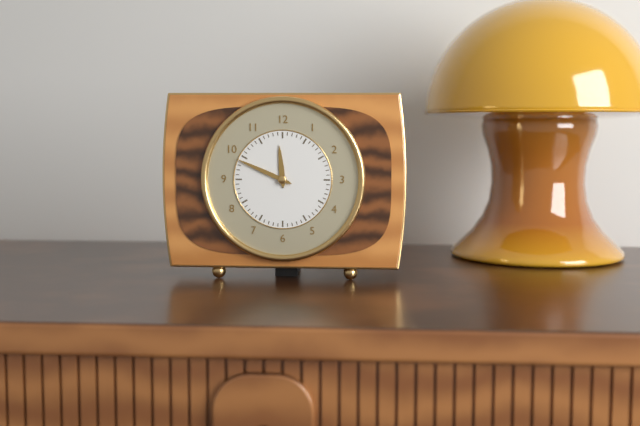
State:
11h49
